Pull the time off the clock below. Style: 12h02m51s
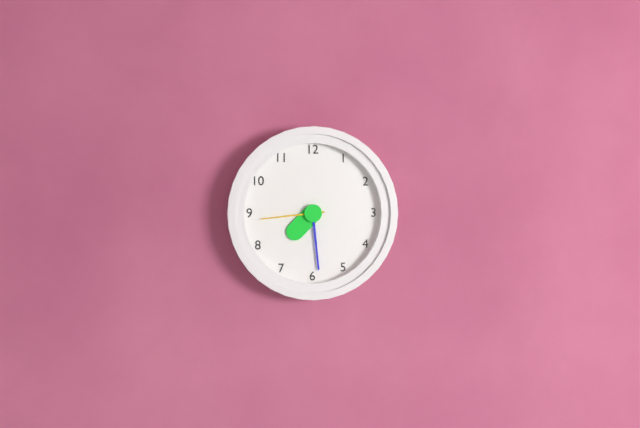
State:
7h29m44s
